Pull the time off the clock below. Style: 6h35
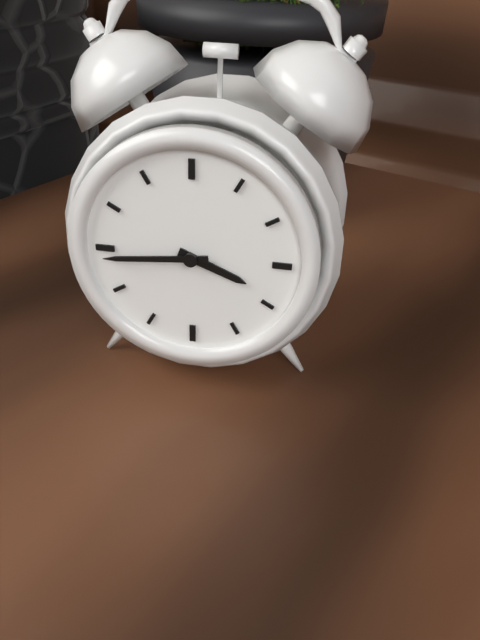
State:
3h44
